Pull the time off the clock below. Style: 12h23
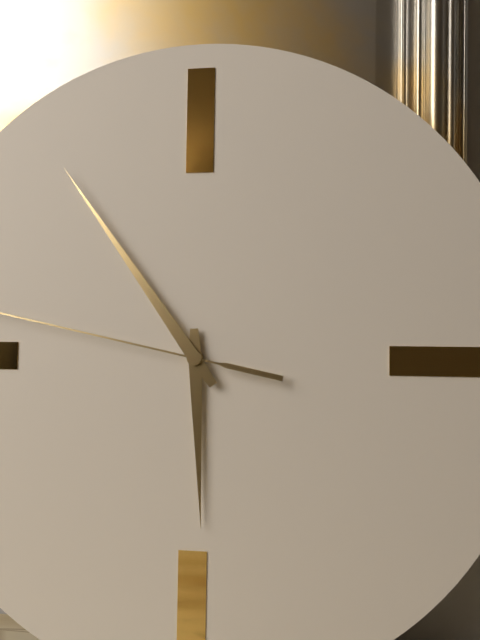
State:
5h54
